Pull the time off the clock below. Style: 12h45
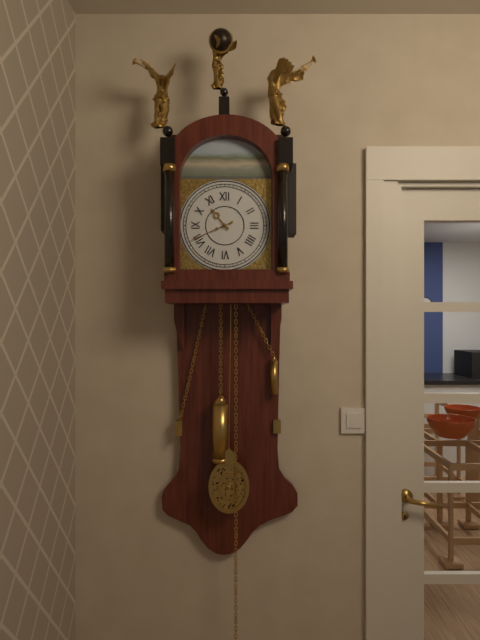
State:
10h41
